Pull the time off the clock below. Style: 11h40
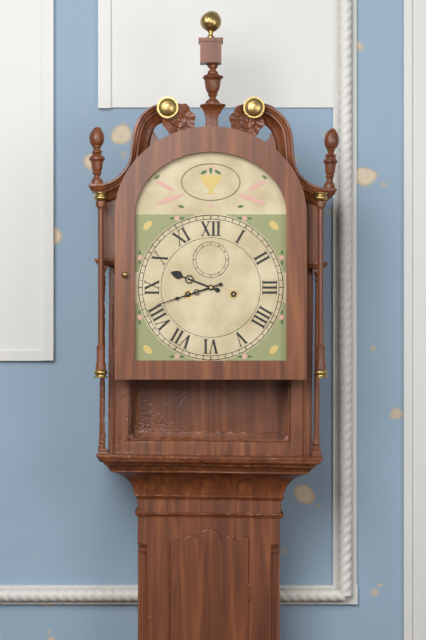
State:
9h42
